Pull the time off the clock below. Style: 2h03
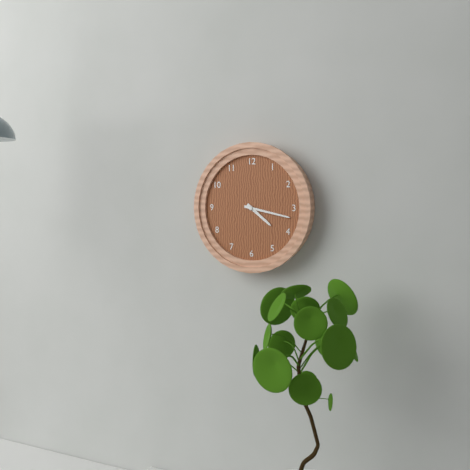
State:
4h17
